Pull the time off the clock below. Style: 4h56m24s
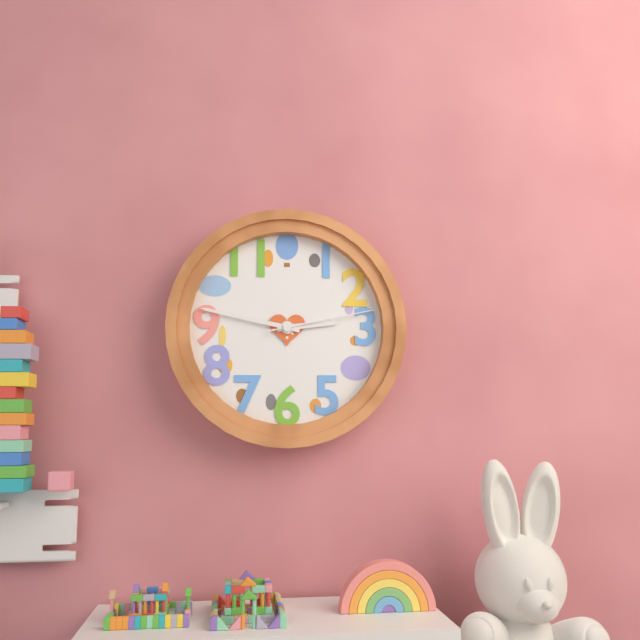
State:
2h47m13s
